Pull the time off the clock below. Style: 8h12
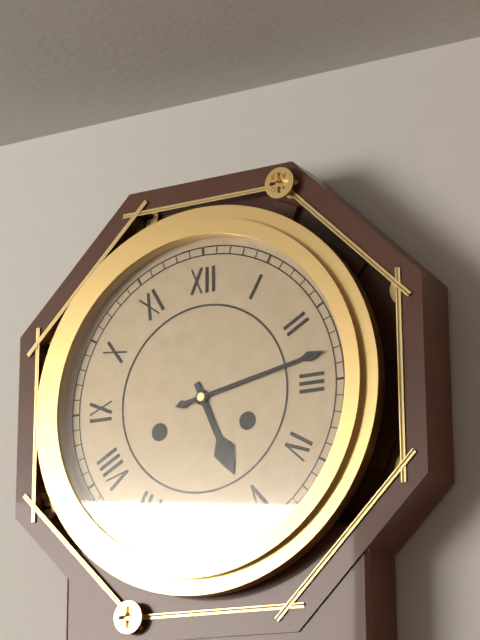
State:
5h13
